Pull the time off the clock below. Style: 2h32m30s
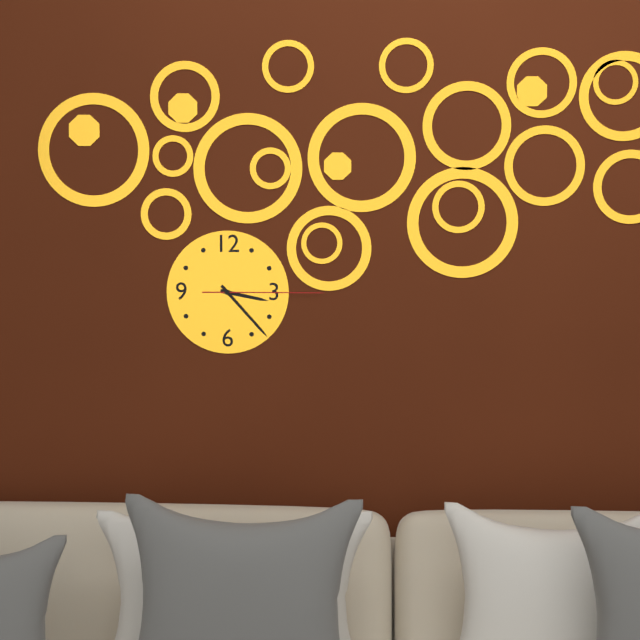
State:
3h23m15s
